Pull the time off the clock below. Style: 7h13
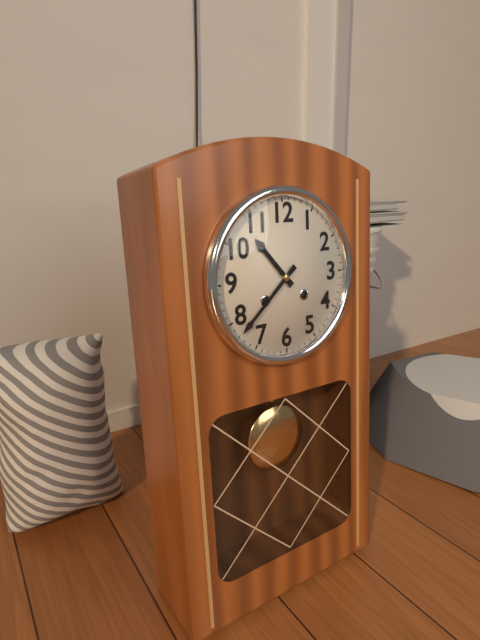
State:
10h38
